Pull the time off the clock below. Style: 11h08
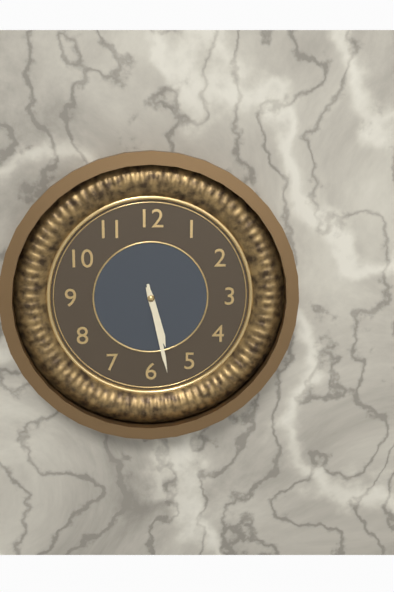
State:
5h28
